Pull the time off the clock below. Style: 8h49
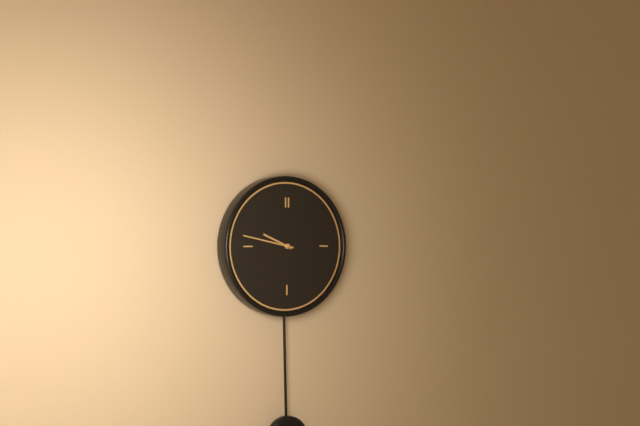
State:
9h47
